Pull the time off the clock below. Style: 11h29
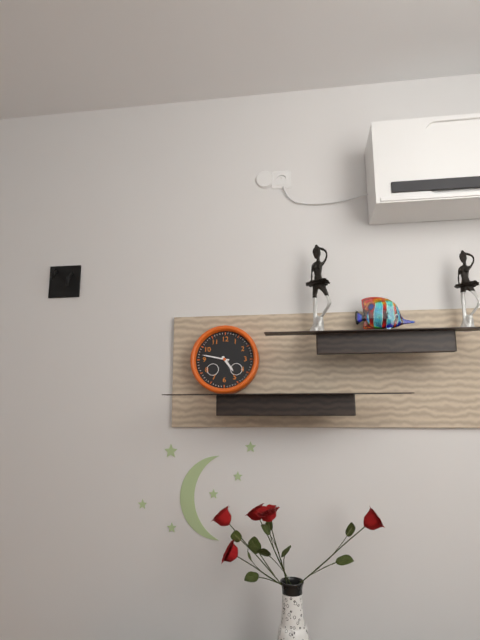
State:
4h47
